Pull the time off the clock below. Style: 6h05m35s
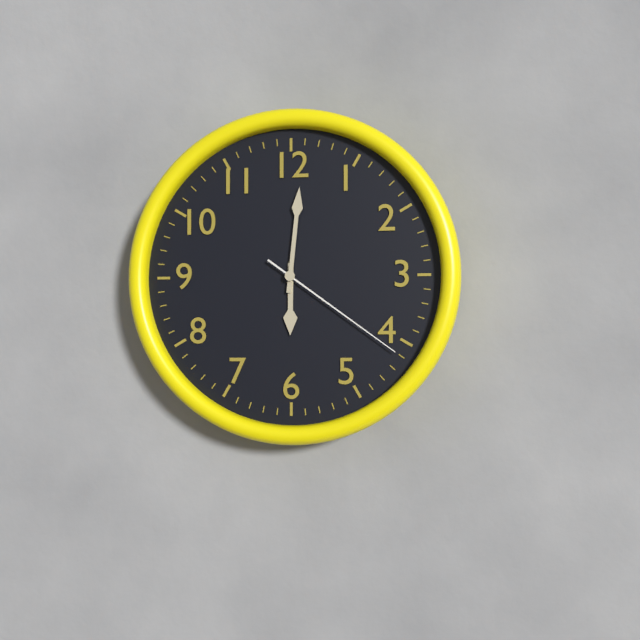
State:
6h01m21s
